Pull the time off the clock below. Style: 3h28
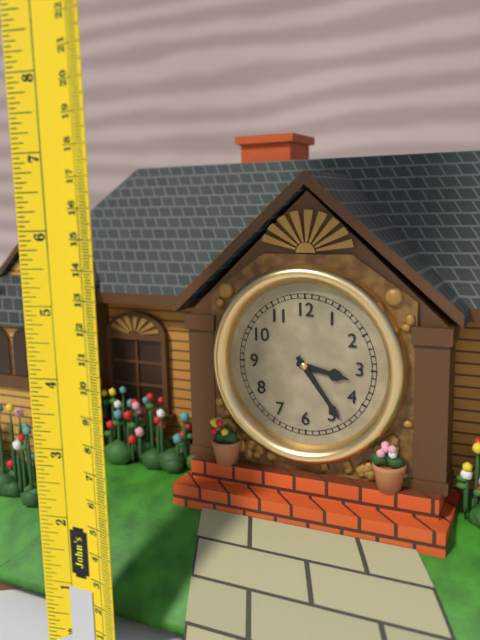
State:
3h24
